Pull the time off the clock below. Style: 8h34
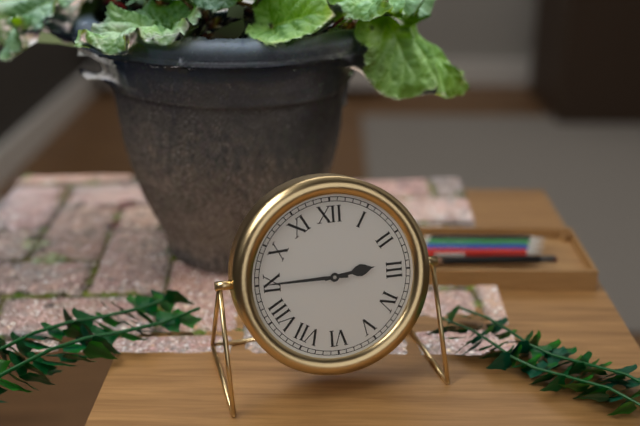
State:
2h45
